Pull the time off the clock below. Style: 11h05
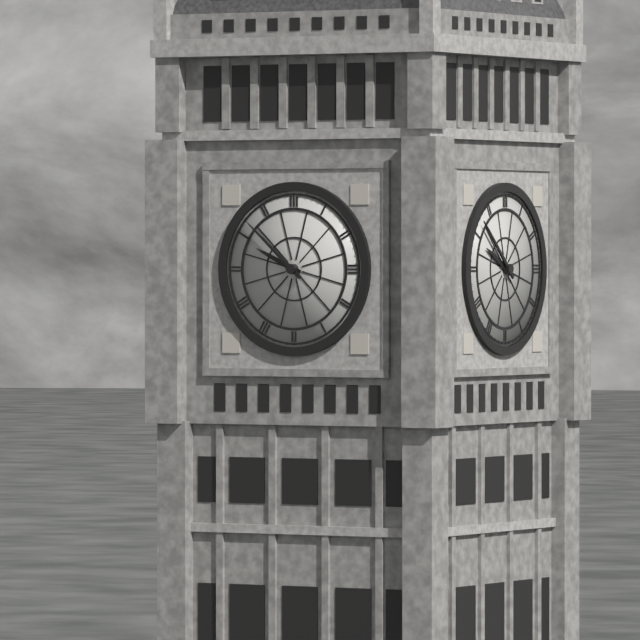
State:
9h52
